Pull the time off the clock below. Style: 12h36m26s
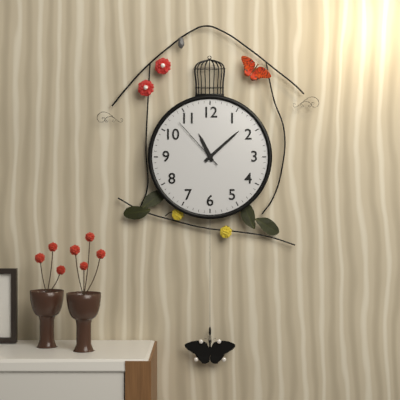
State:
11h08m53s
